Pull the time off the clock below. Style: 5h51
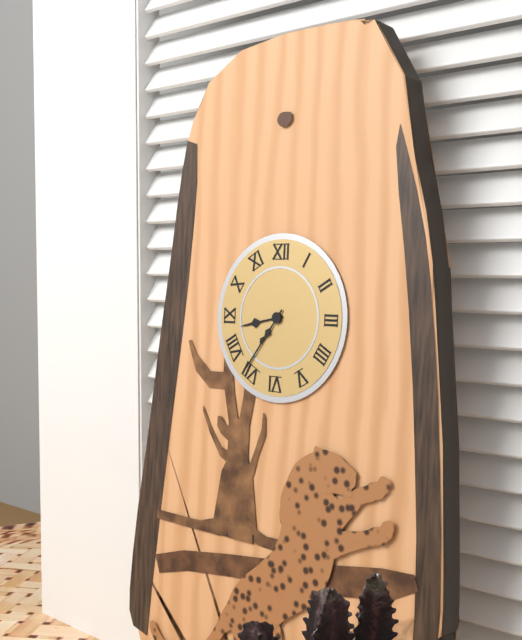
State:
8h36
